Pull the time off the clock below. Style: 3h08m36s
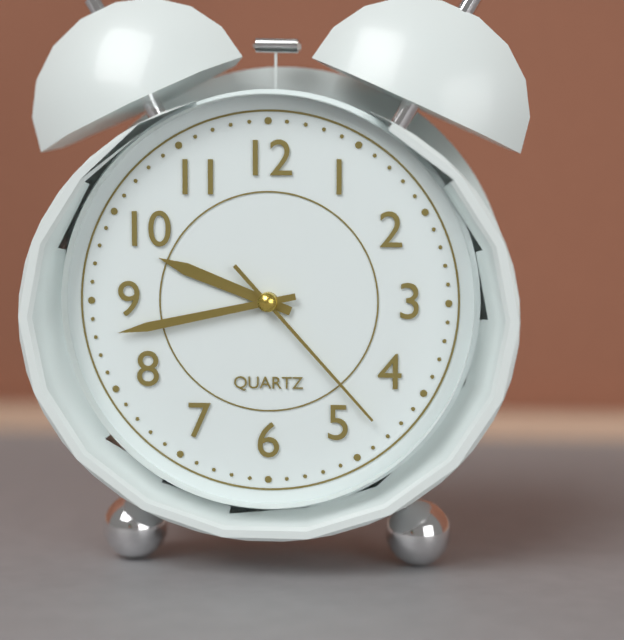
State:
9h43m23s
